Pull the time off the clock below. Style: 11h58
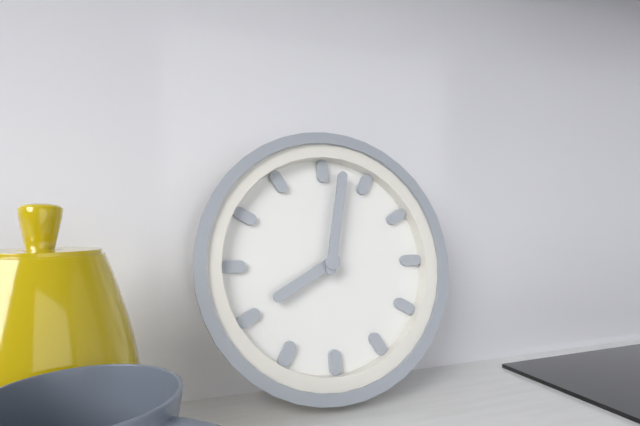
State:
8h02
